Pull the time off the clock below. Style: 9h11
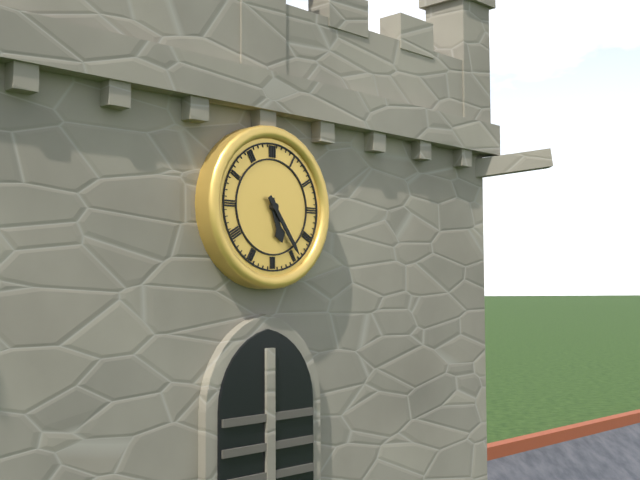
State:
5h24
